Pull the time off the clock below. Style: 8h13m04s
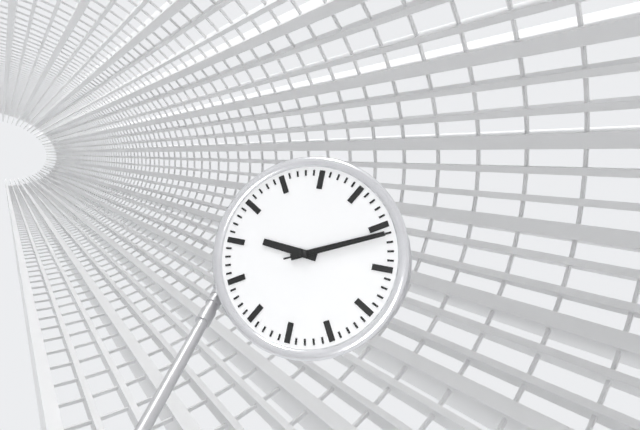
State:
9h11m11s
